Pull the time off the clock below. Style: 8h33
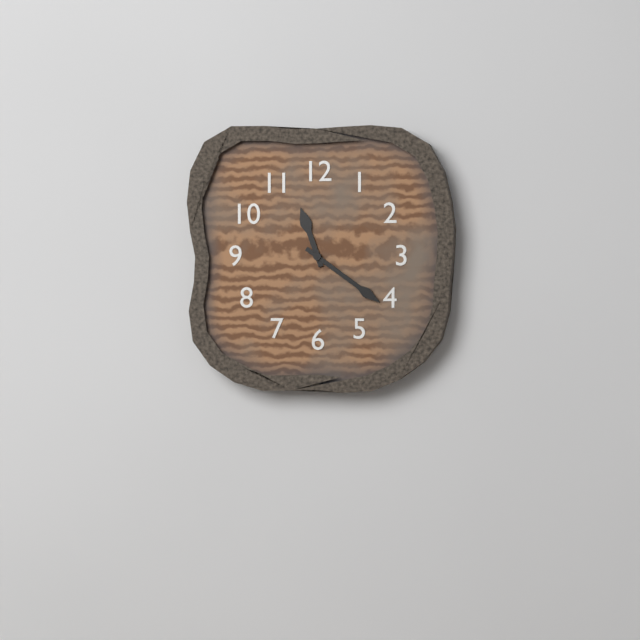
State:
11h21
